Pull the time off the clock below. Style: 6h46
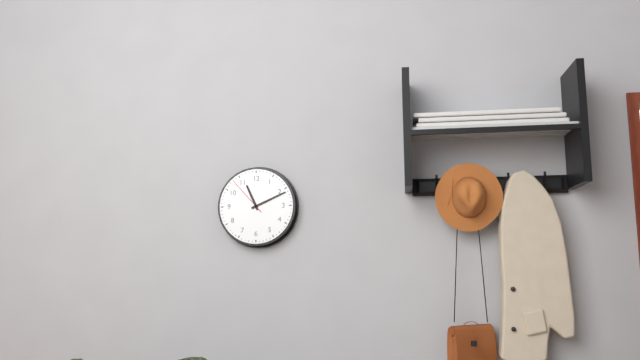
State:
11h11
